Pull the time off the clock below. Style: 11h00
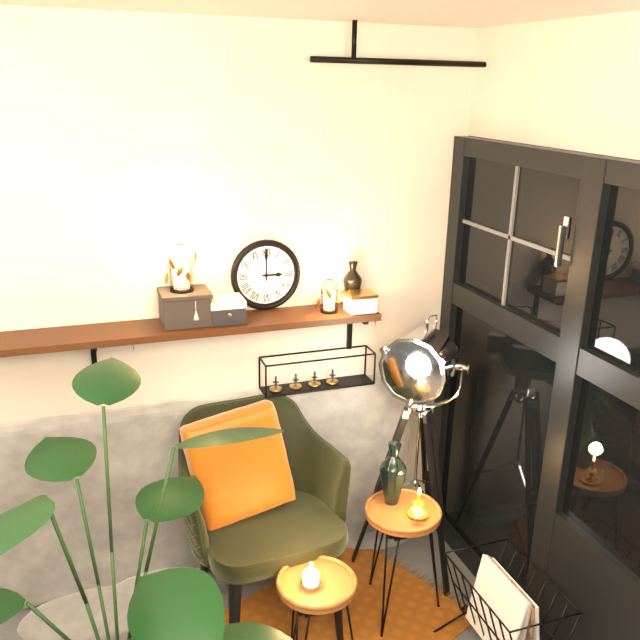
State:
3h00
